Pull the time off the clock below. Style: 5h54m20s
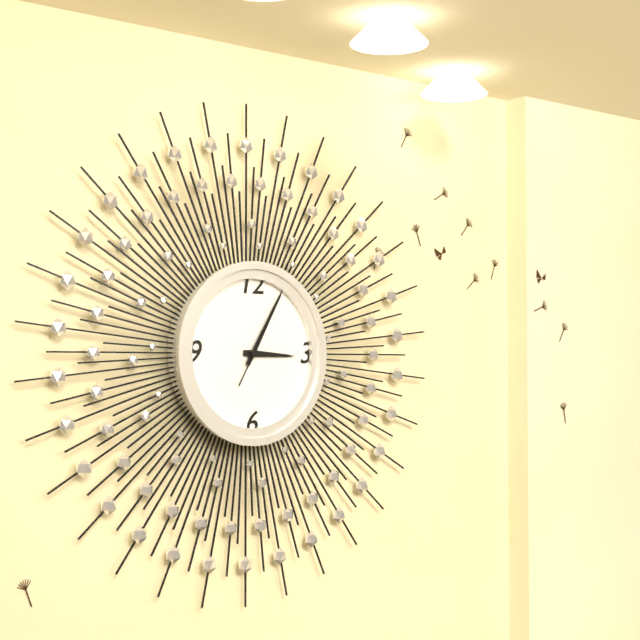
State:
3h05m05s
